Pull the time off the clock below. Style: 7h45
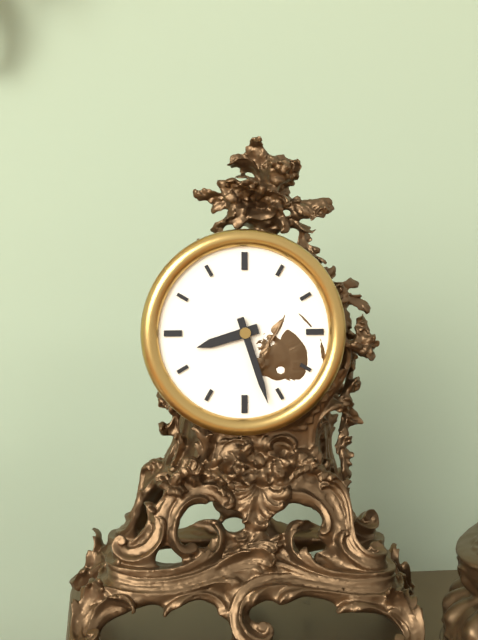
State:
8h27
